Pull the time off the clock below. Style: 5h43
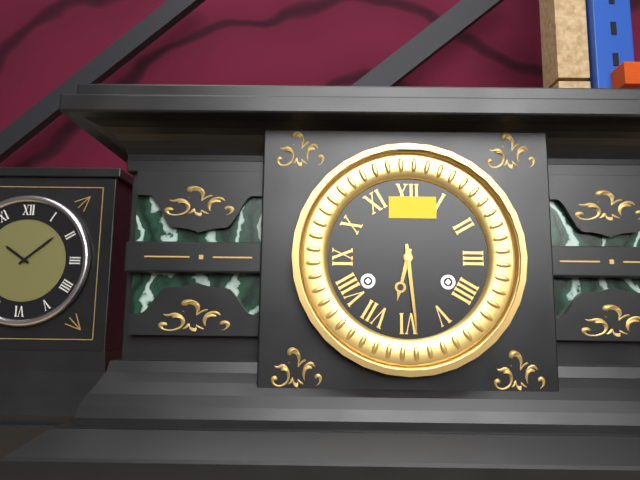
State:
6h29
